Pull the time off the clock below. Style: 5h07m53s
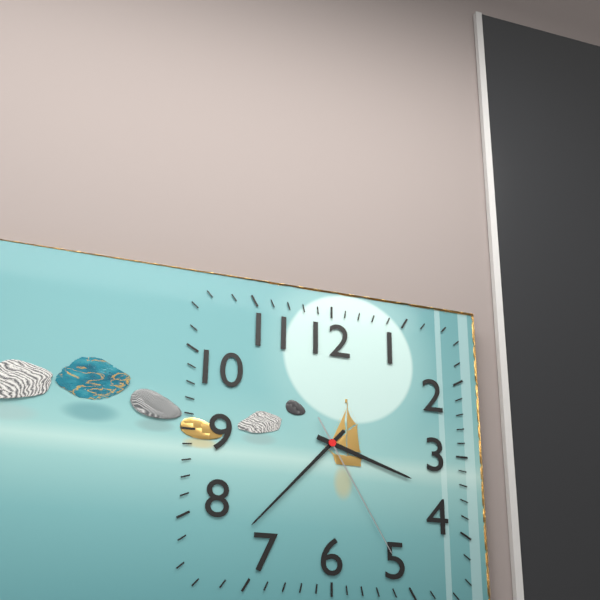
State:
3h37m25s
